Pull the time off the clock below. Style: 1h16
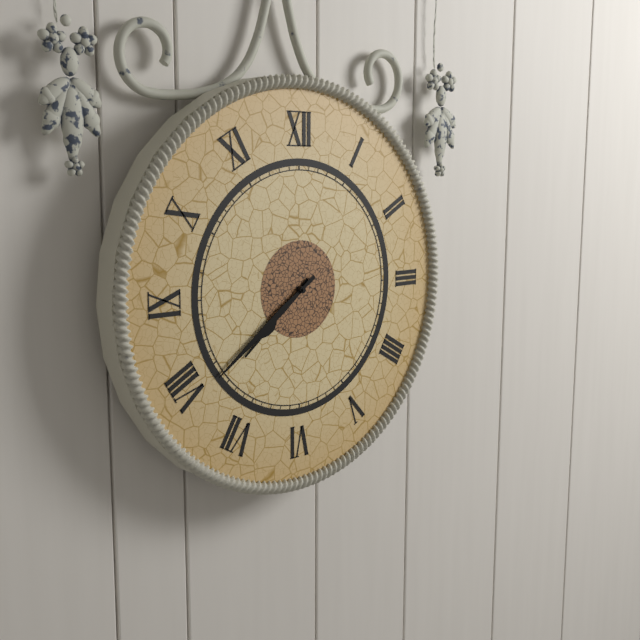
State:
7h39
